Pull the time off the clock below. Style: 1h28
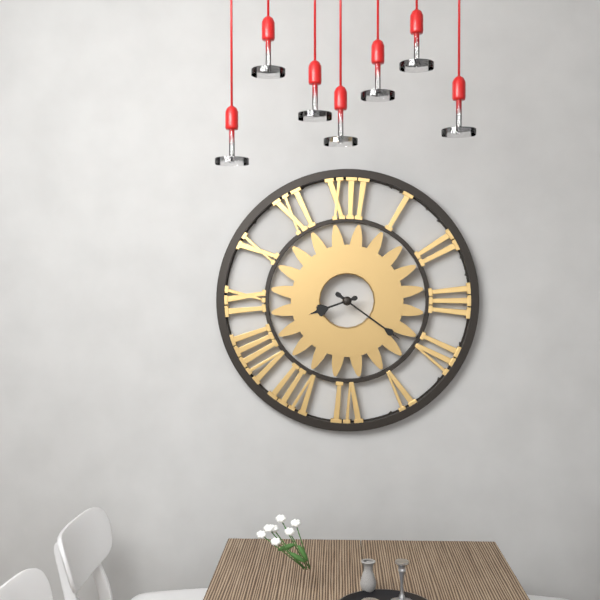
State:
8h21
